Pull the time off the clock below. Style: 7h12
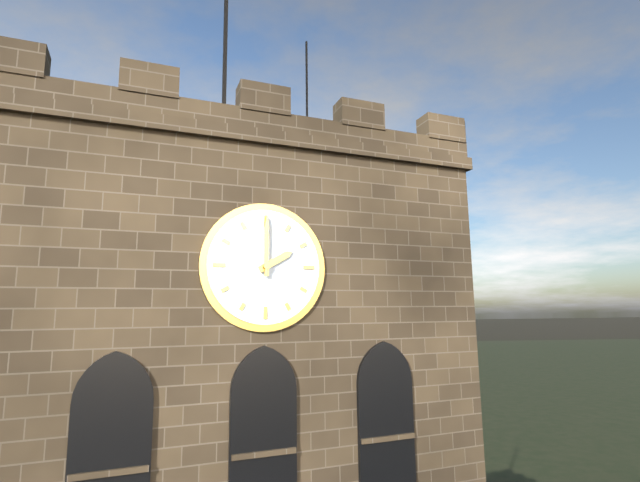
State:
2h00
